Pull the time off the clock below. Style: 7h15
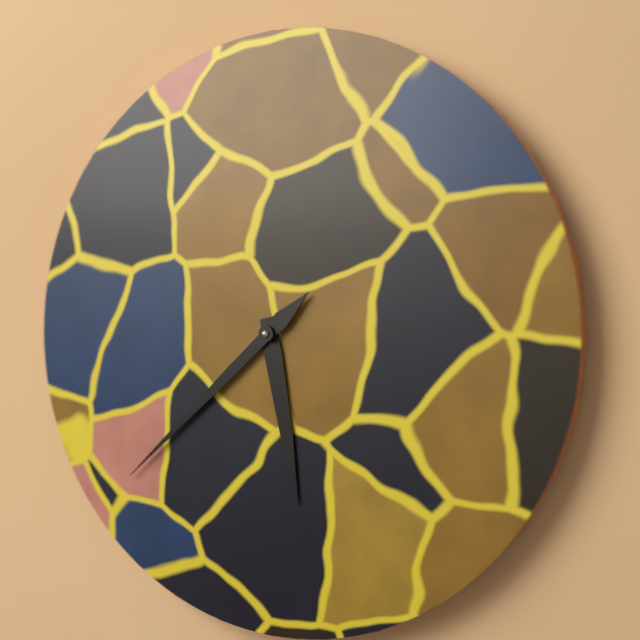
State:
5h38
